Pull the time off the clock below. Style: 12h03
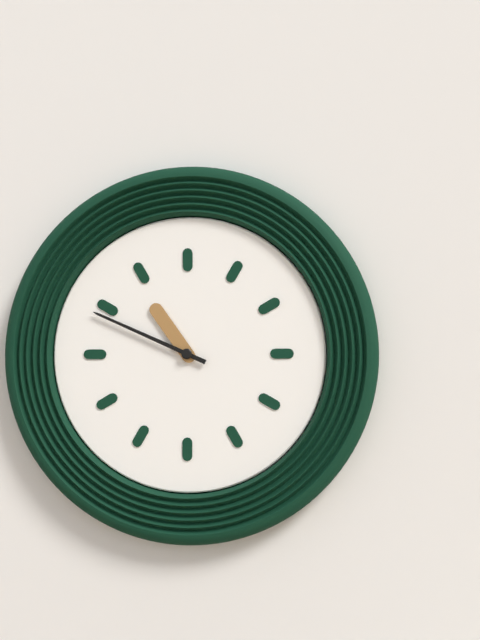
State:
10h49
